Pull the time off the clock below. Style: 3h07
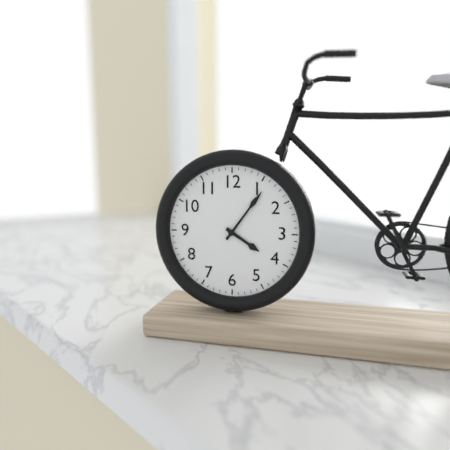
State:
4h06
